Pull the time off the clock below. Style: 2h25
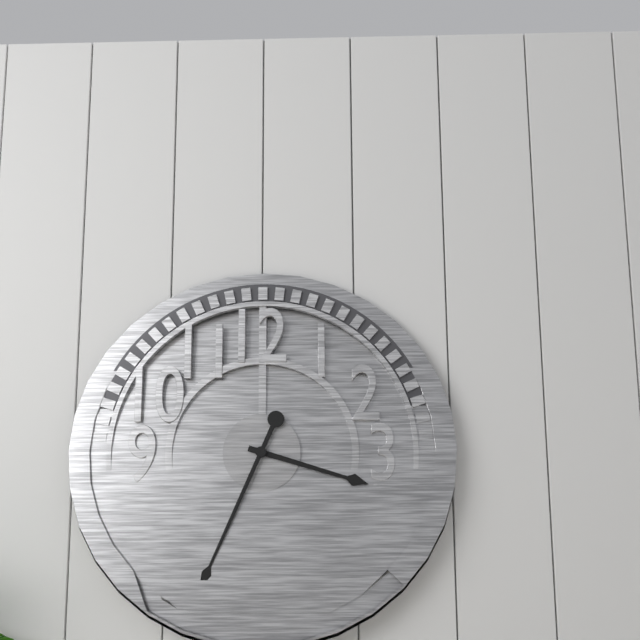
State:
3h34
